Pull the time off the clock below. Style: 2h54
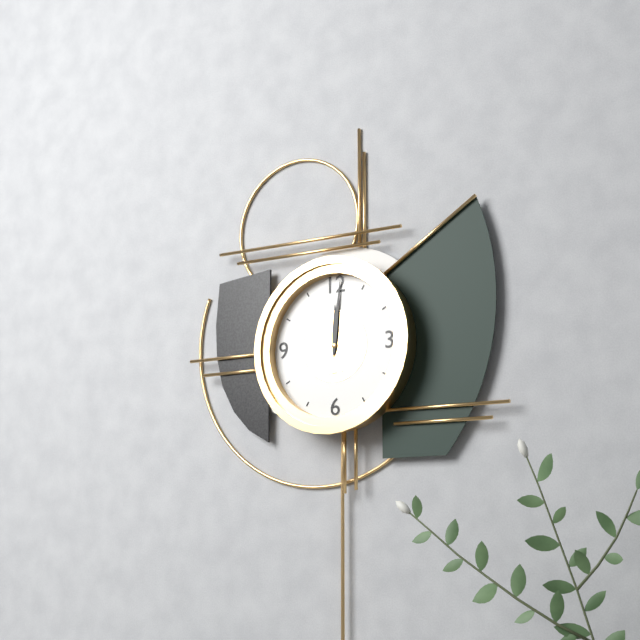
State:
12h01
